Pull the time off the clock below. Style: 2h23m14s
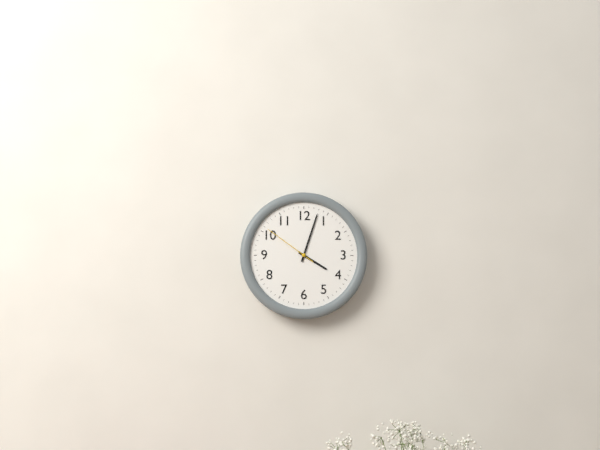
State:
4h03m51s
